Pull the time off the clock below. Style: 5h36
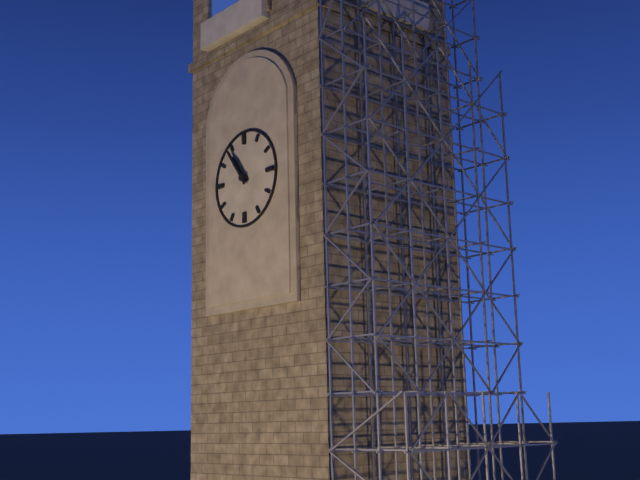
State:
10h54
